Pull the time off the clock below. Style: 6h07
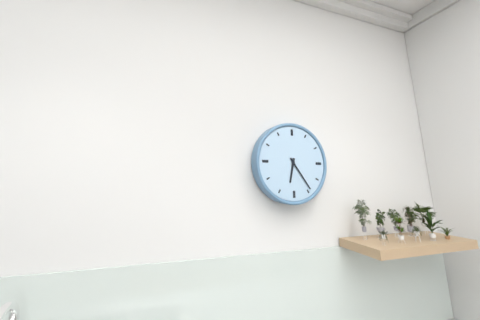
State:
6h24
